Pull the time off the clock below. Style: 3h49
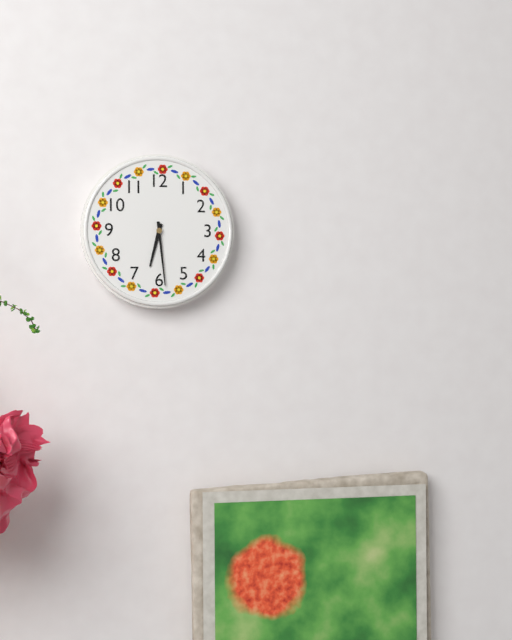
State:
6h29
